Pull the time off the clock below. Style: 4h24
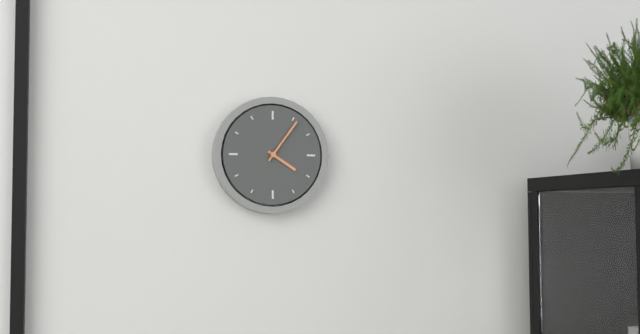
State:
4h06
